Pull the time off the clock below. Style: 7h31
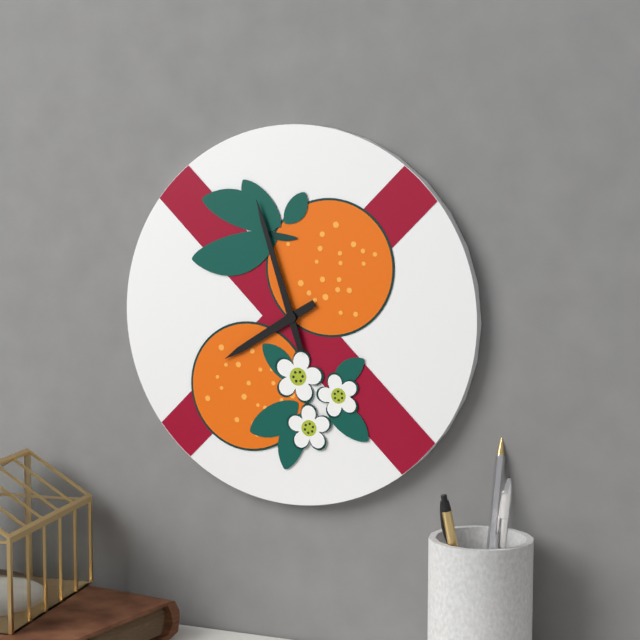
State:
7h57
